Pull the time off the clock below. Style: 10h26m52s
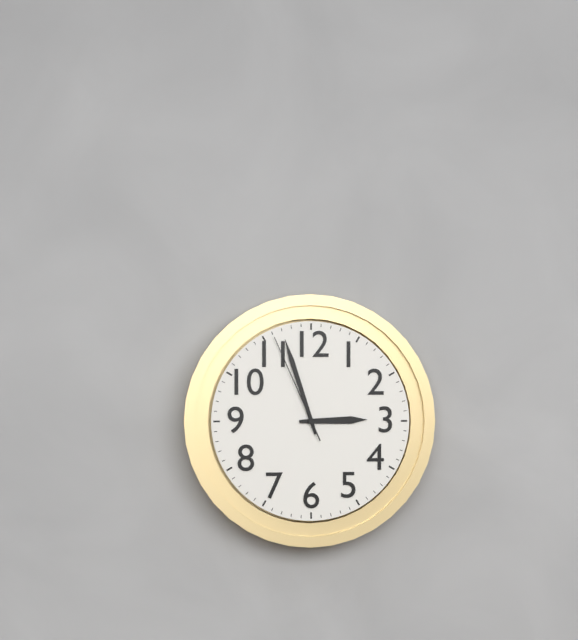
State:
2h57m56s
